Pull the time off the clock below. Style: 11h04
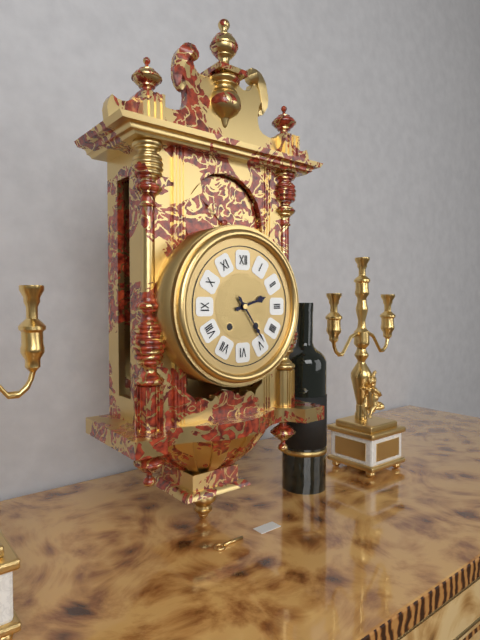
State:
2h24
